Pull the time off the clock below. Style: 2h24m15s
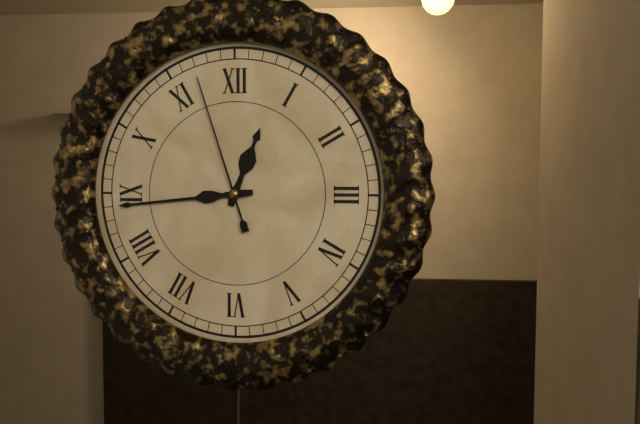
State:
12h44m57s
